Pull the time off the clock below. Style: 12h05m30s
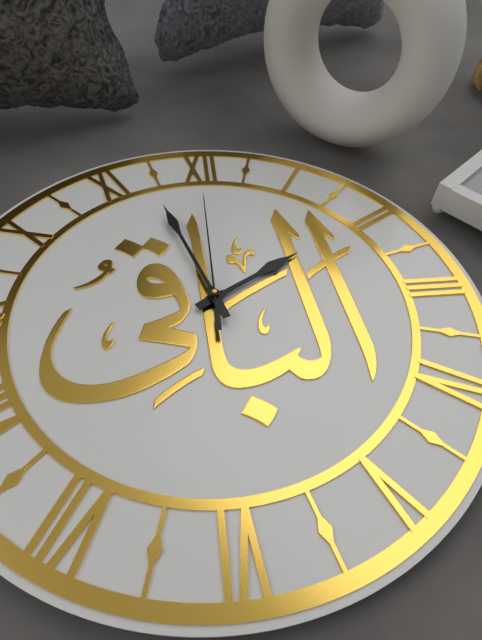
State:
1h57m00s
